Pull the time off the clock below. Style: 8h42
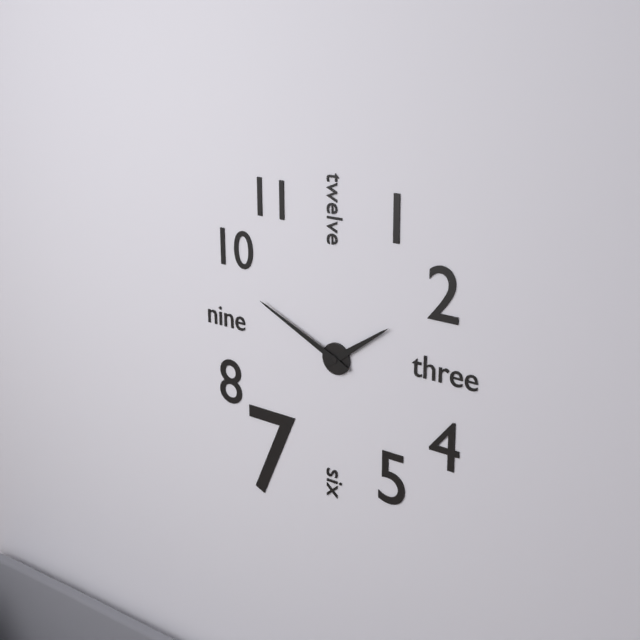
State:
1h49
